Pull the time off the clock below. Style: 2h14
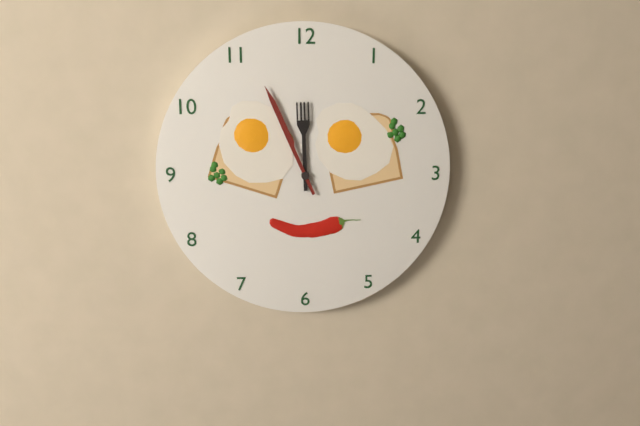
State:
11h56
